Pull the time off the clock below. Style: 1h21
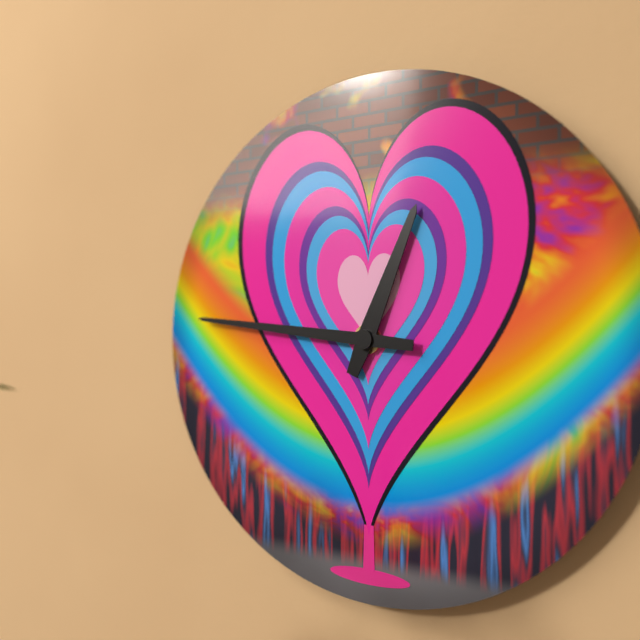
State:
12h46
